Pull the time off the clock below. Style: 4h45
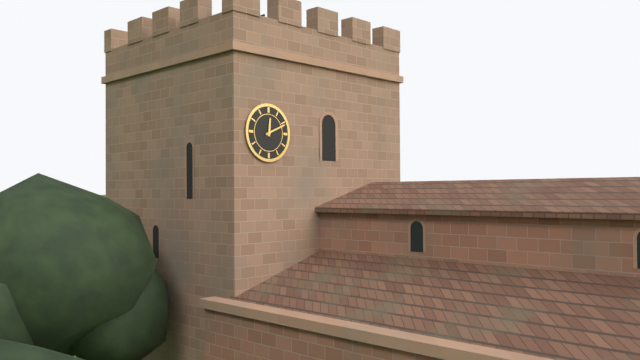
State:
12h11
